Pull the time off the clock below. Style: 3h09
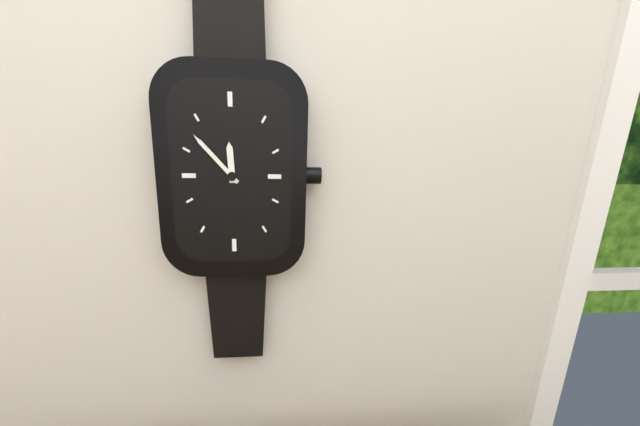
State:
11h53
